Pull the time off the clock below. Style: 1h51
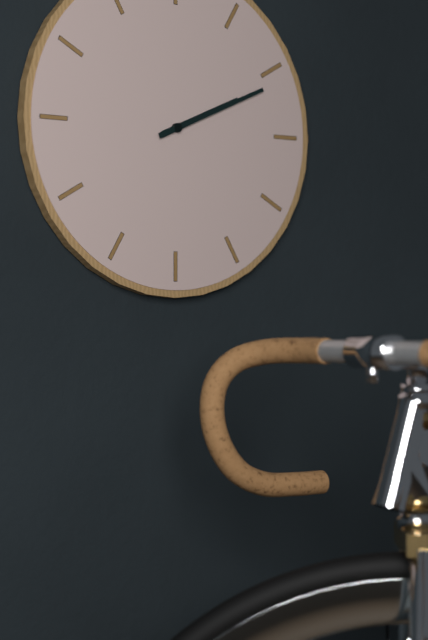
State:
2h11
